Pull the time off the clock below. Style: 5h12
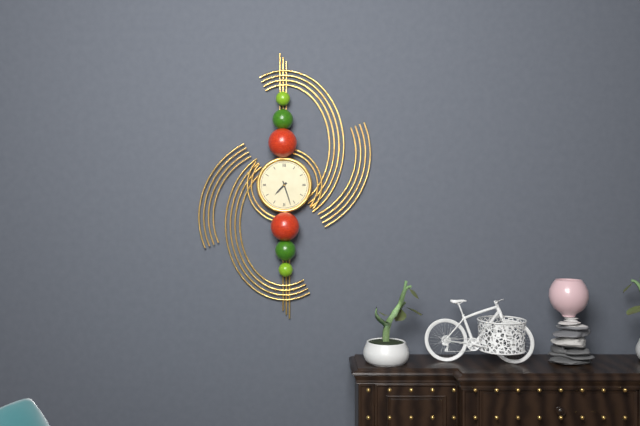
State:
7h27
